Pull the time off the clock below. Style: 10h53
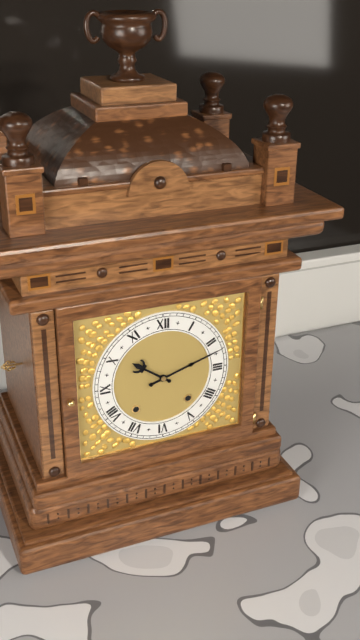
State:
10h12
